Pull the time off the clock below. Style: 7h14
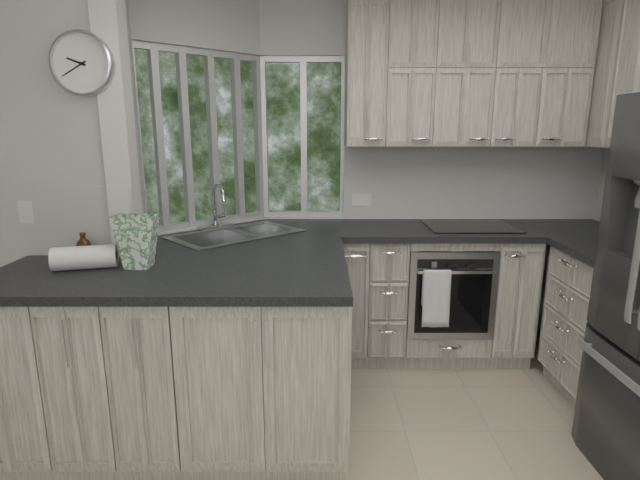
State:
9h40
